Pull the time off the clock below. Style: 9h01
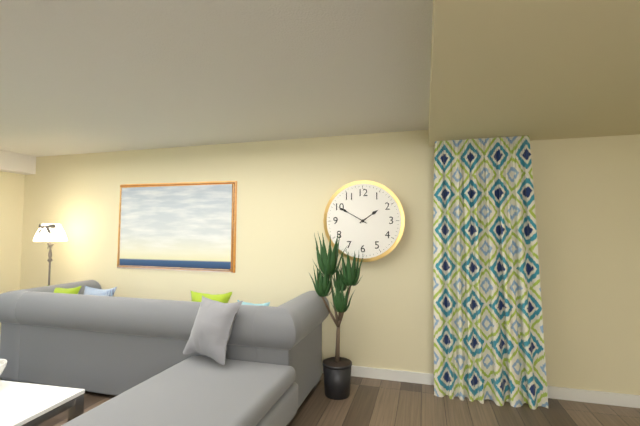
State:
1h50
